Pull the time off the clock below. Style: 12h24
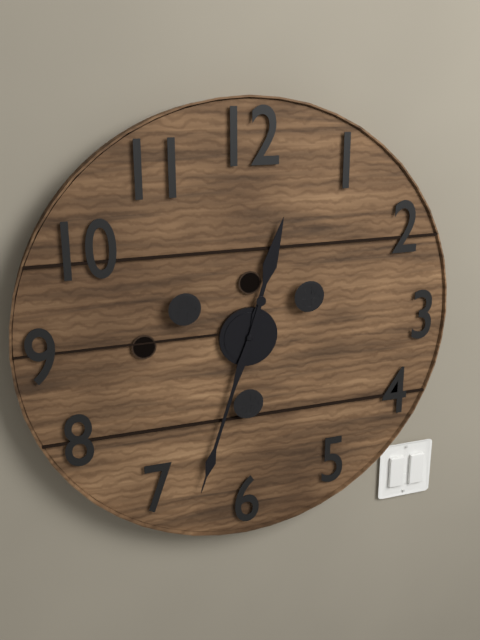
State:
12h33
